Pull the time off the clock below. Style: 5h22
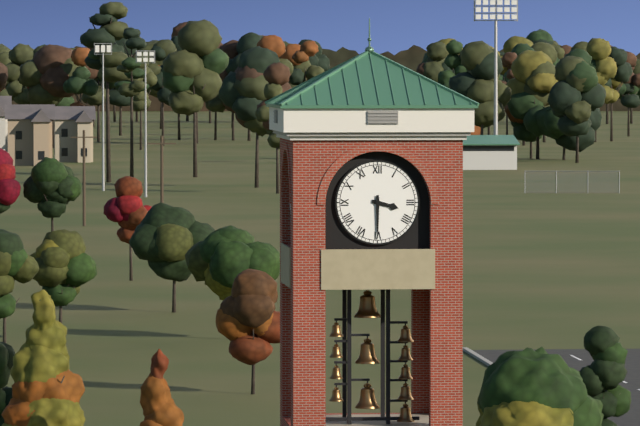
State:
3h30
